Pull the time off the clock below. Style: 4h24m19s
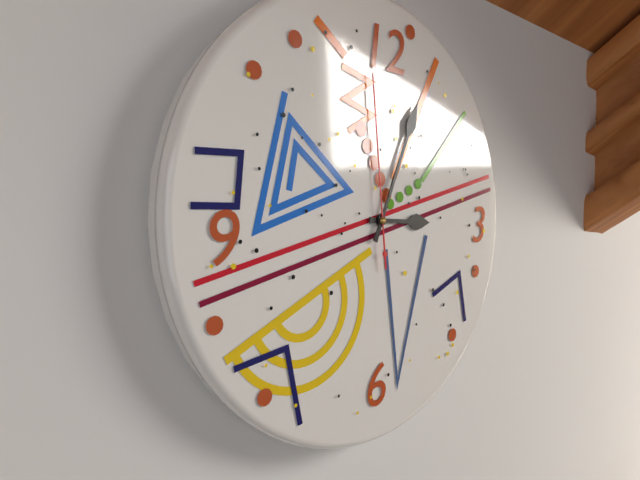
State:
3h04m59s
